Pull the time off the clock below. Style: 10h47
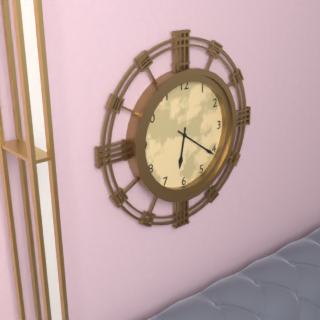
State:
6h21
